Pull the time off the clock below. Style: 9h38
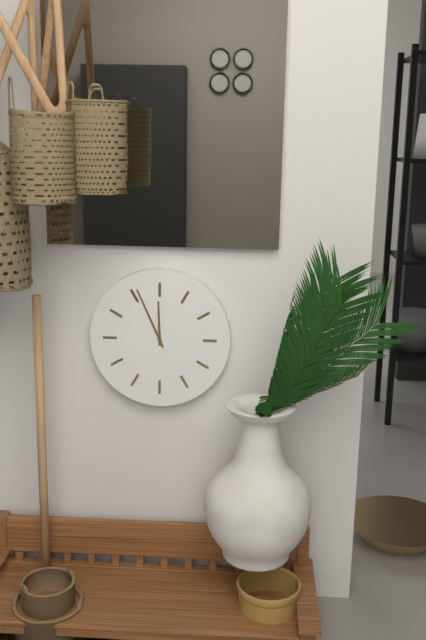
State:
11h56
